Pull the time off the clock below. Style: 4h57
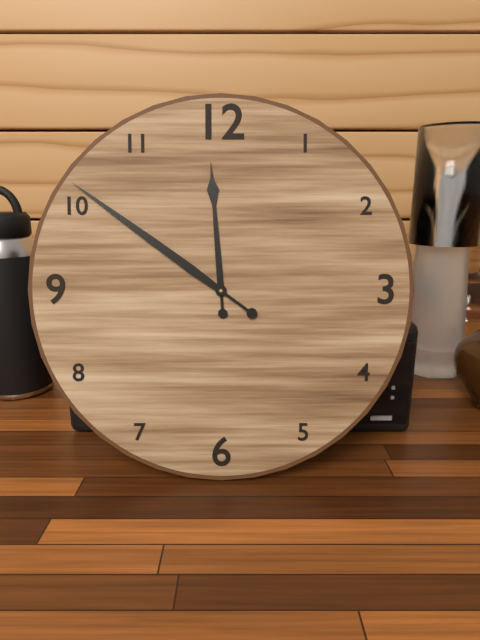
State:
11h51
